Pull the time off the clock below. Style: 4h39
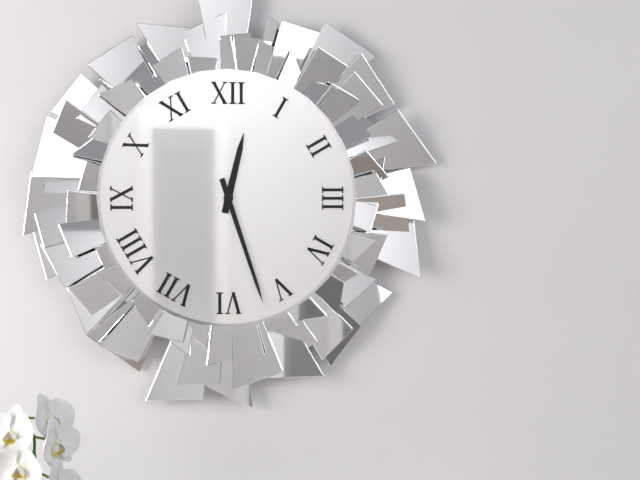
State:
12h27
